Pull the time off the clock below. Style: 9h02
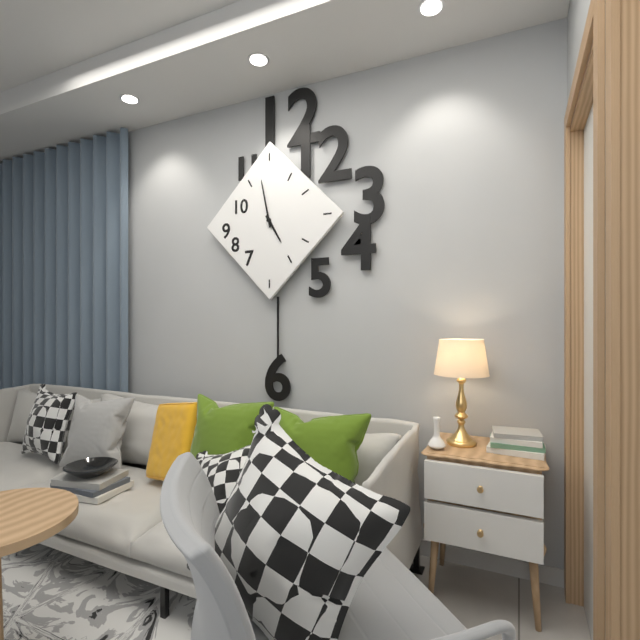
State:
4h58
